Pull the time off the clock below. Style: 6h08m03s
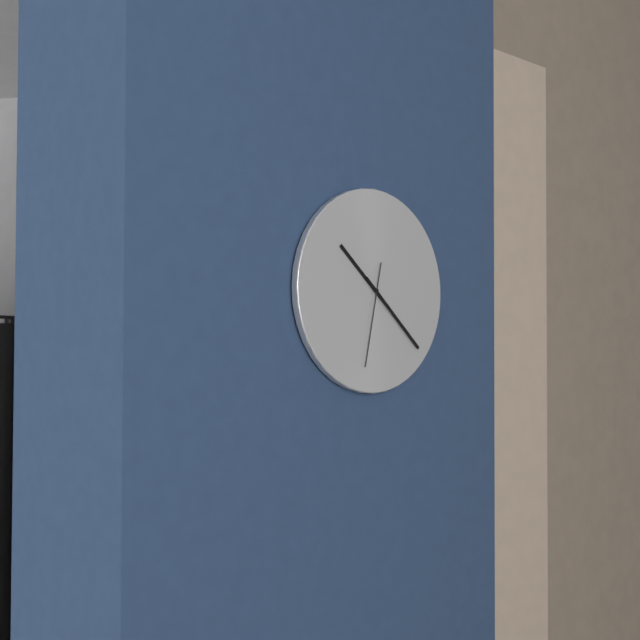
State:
10h22m32s
